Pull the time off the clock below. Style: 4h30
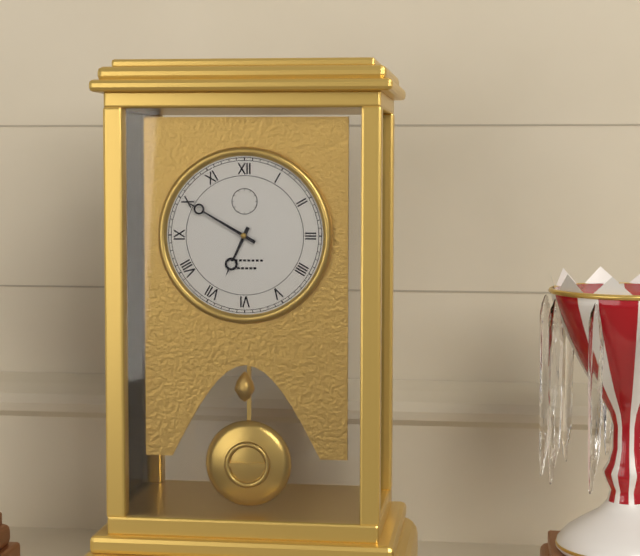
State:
6h50
